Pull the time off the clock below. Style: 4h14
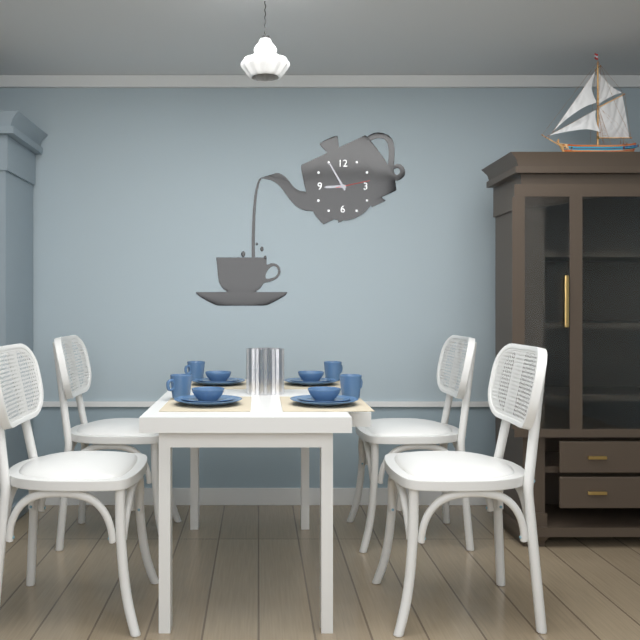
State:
8h55
